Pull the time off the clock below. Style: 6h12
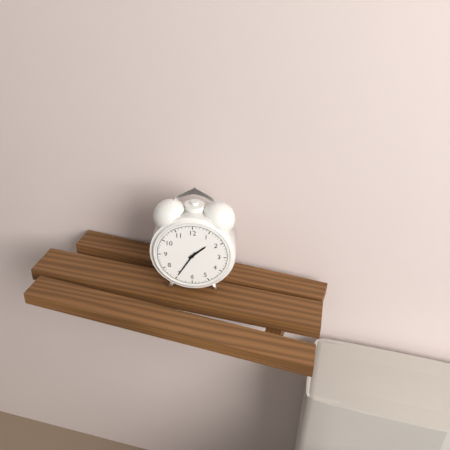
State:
1h35
